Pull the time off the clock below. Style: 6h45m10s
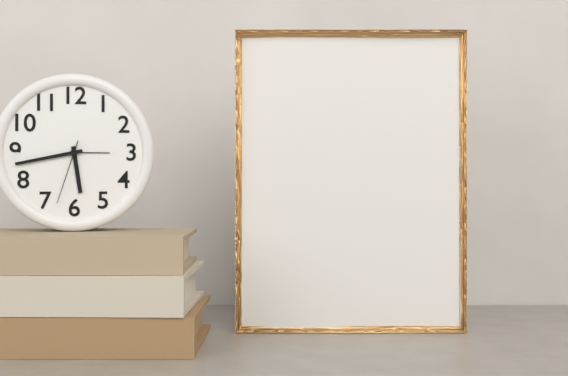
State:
5h43m33s
